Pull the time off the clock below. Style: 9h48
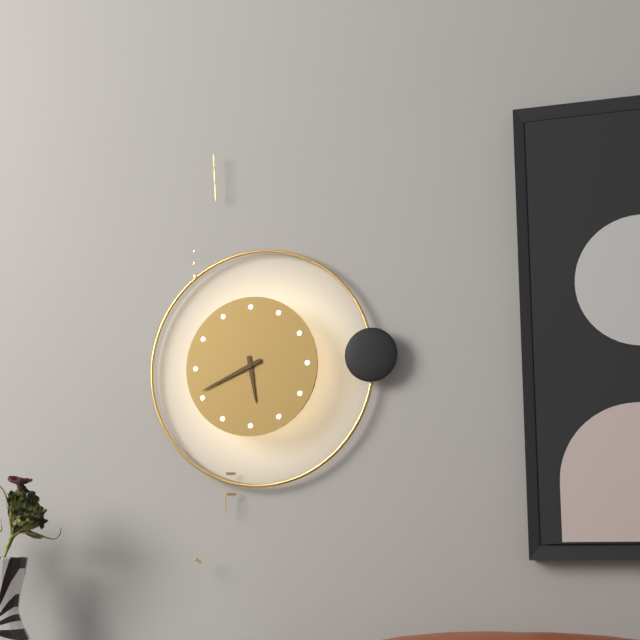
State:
5h41
